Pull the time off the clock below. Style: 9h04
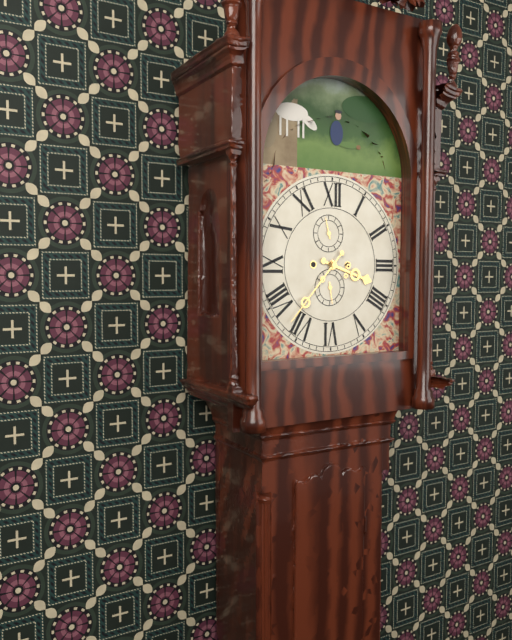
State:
3h37
